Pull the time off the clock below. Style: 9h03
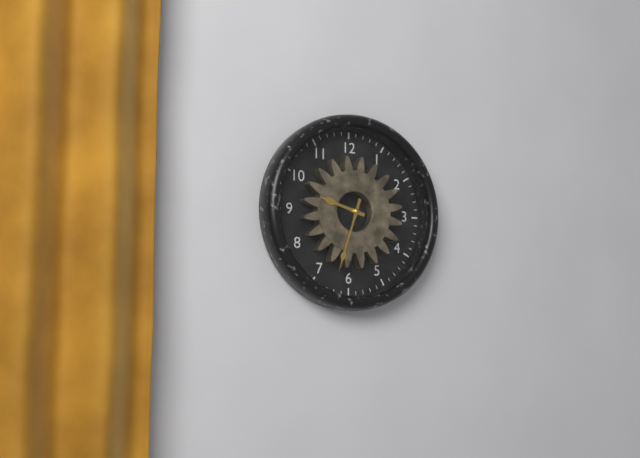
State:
9h33
